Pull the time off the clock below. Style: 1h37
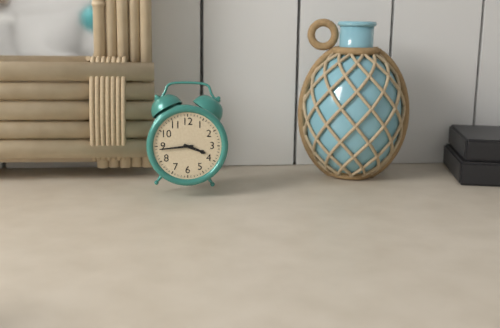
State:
3h44
